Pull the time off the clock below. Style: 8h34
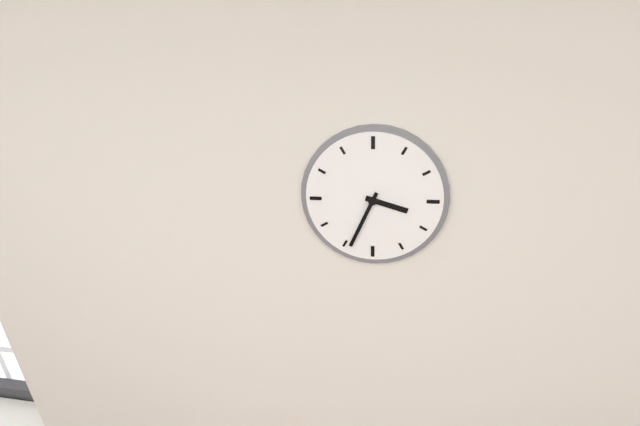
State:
3h34
